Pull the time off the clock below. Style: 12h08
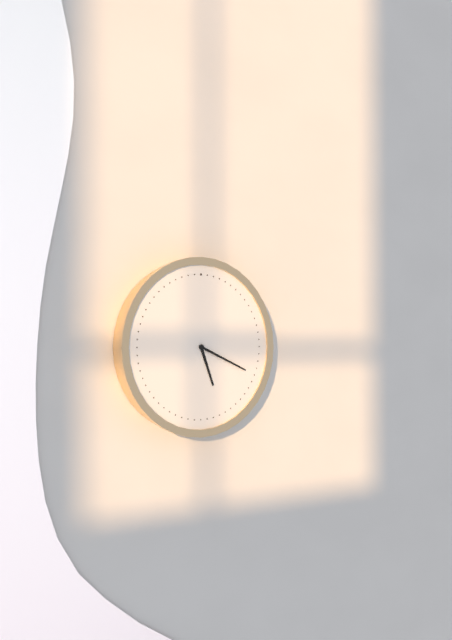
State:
5h19
